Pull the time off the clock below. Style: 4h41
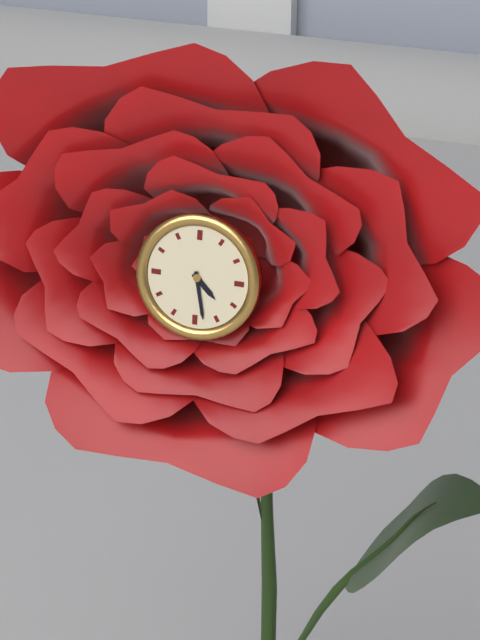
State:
4h28
